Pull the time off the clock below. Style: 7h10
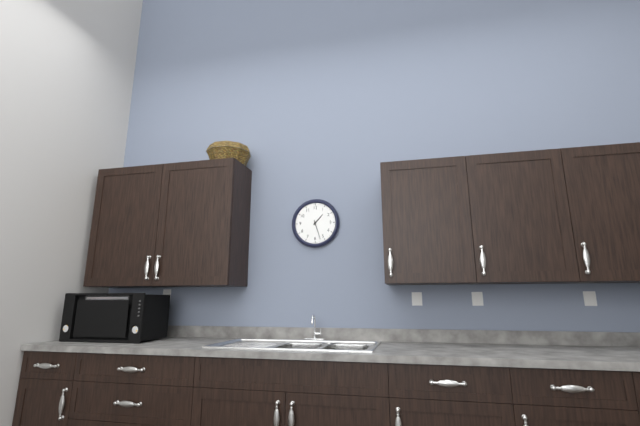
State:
1h27
